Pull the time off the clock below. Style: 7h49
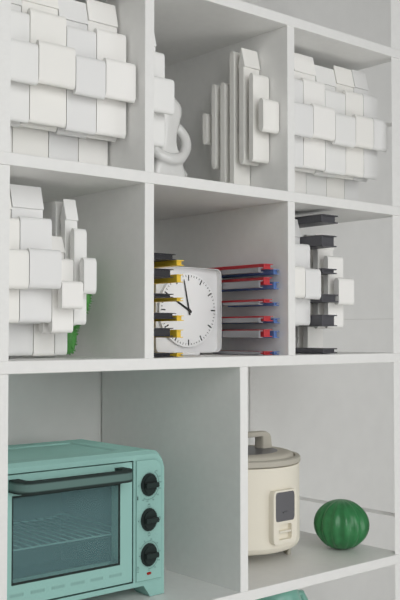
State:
9h58
